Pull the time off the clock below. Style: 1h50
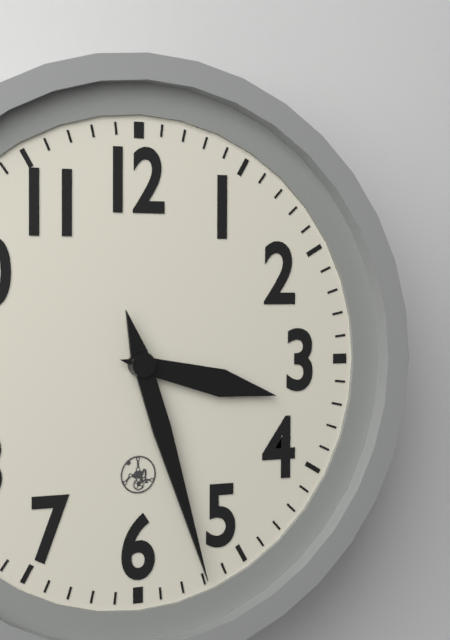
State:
3h27
